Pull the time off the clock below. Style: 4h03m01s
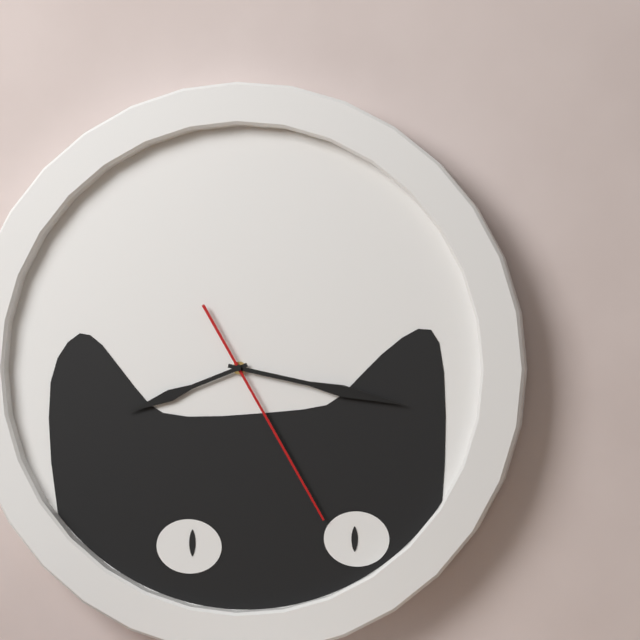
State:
8h17m25s
